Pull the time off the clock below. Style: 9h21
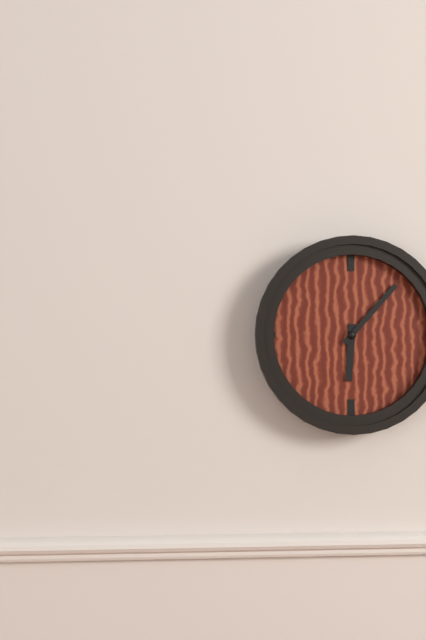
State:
6h07
